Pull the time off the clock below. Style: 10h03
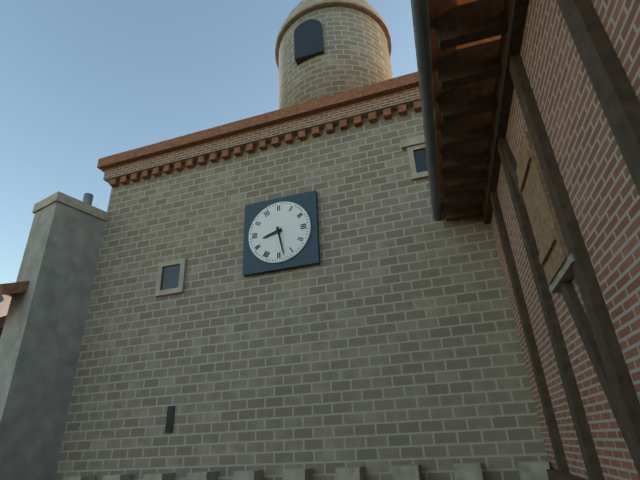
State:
8h28
